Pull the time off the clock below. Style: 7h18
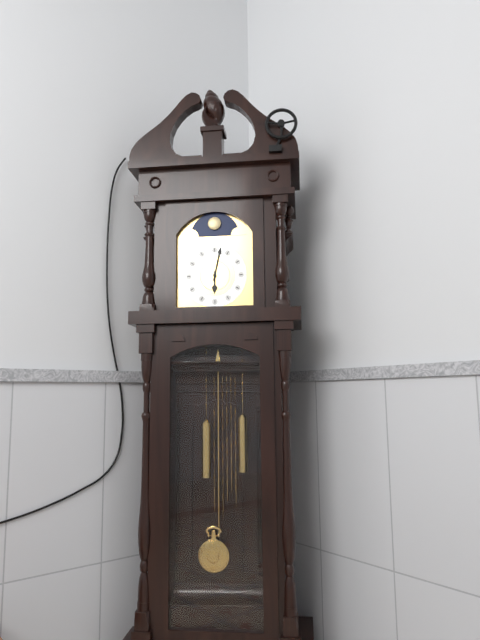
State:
6h02
